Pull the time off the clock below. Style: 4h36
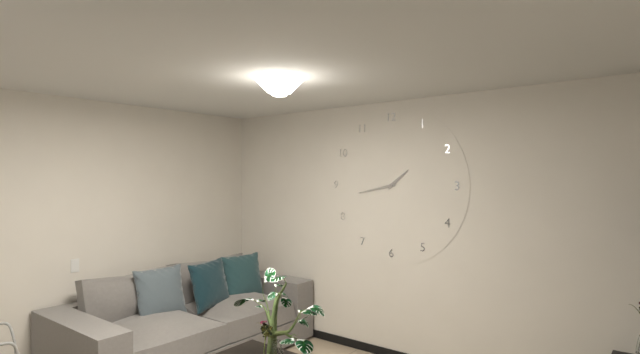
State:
1h43
